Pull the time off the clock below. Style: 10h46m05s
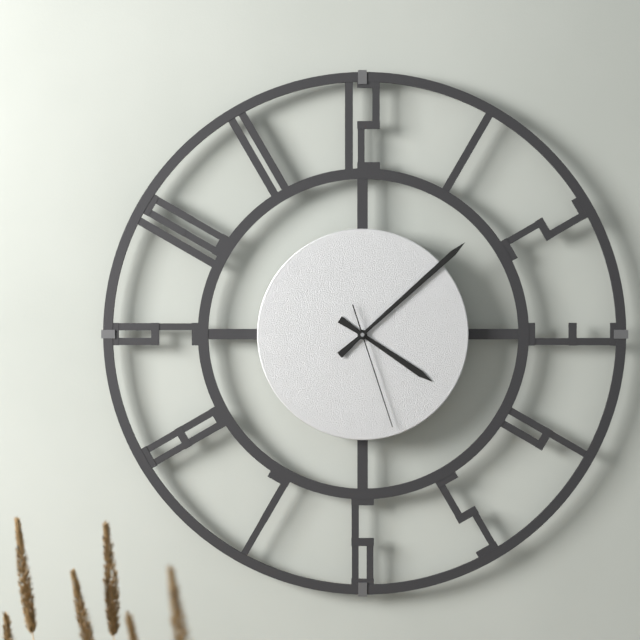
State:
4h08m27s
